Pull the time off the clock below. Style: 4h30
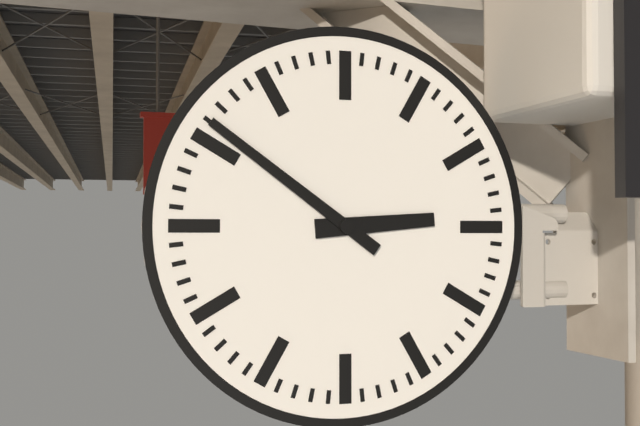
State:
2h51
